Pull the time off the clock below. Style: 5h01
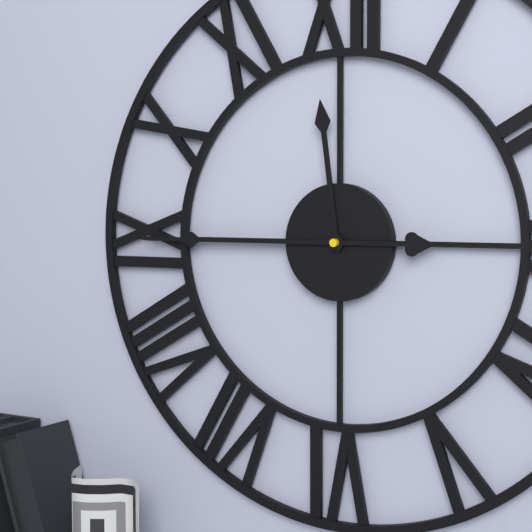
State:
11h45
